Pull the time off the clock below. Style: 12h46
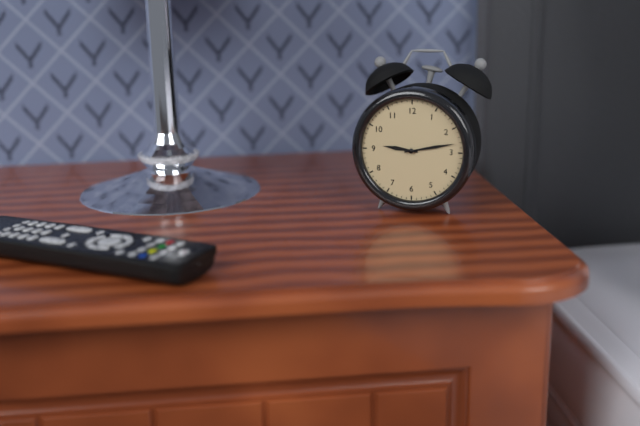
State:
9h13
